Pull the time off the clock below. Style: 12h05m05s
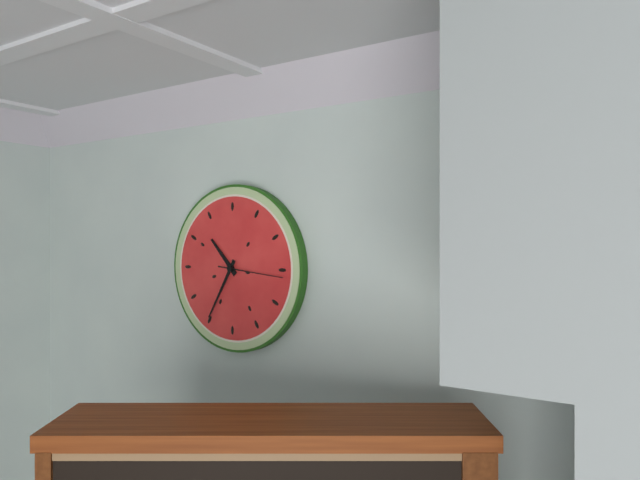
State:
10h35m16s
